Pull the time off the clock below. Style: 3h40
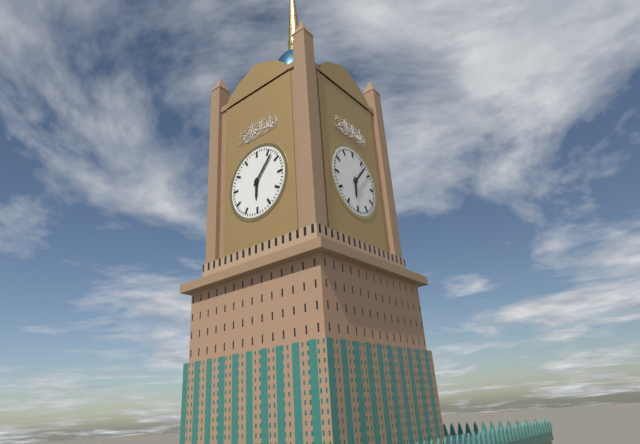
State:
6h07
